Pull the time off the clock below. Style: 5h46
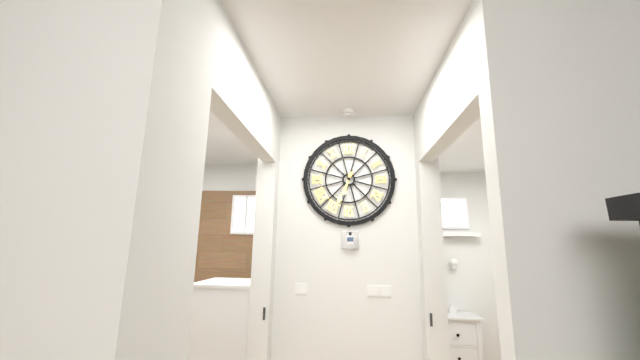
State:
6h34
